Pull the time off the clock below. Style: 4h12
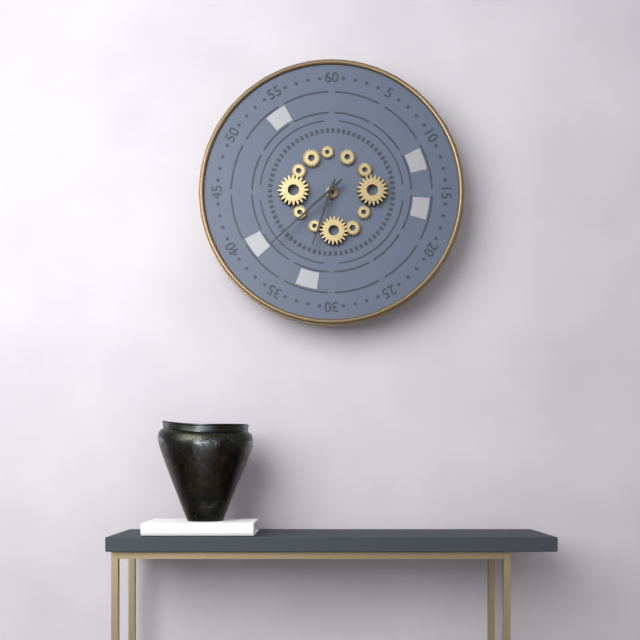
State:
6h38
